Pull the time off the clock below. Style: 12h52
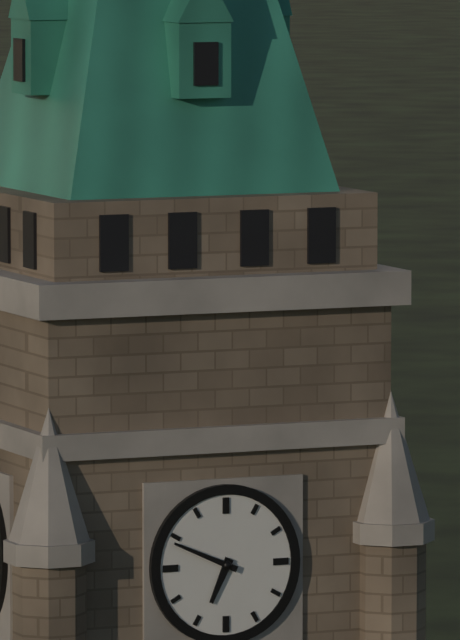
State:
6h49
